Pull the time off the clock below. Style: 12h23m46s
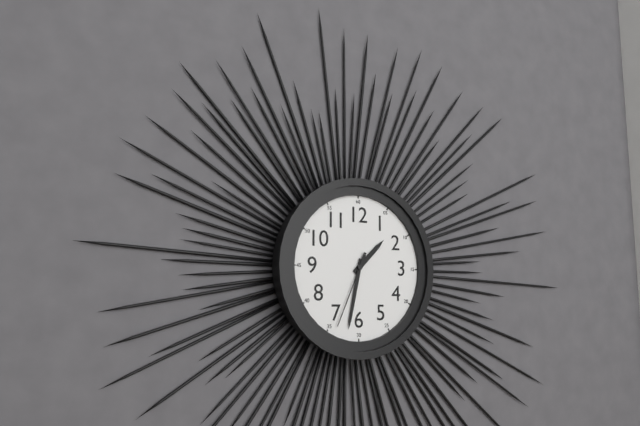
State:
1h32m34s
